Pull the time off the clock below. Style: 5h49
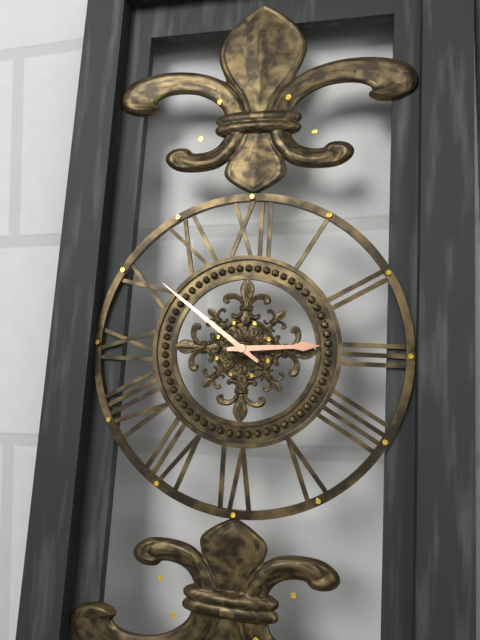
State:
2h51
